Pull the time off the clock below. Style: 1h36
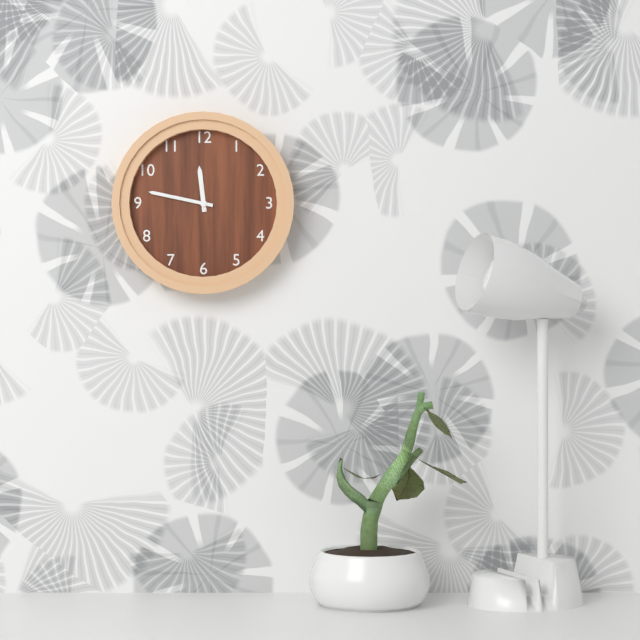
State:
11h47
